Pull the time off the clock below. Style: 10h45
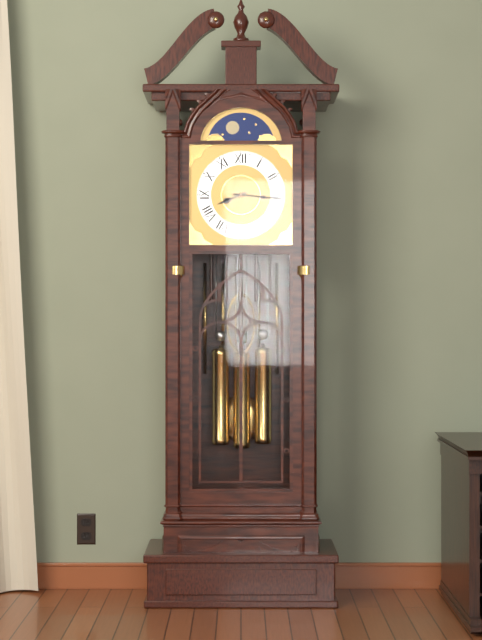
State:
8h16
